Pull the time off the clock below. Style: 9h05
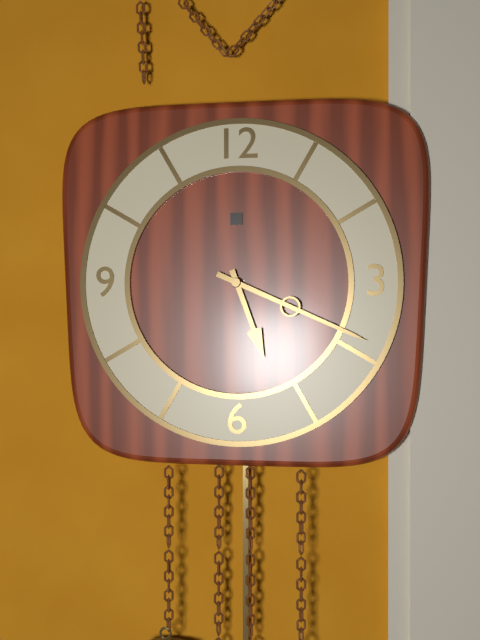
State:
5h19
